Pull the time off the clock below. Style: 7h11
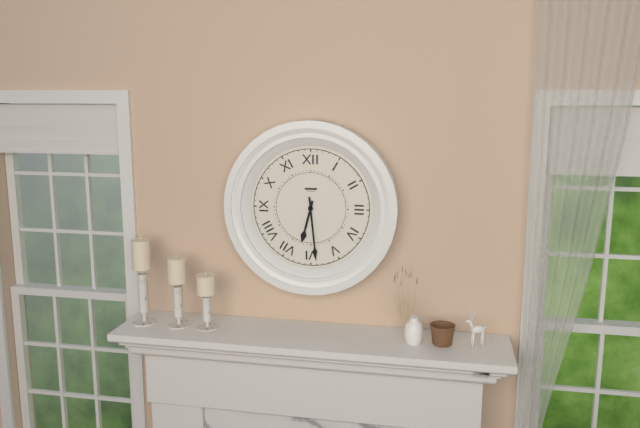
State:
6h29
